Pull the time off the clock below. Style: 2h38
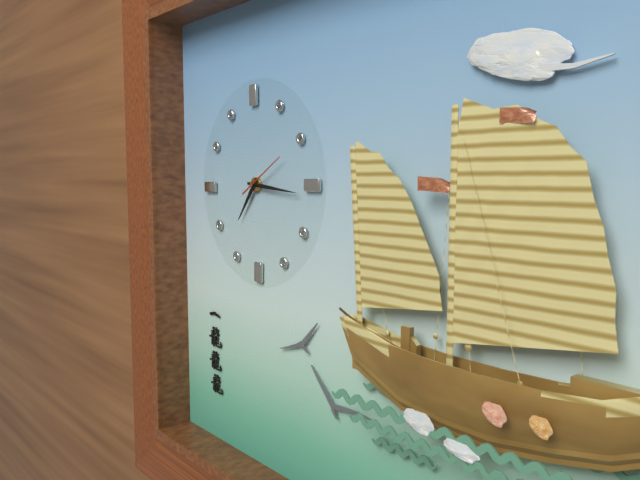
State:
7h16
